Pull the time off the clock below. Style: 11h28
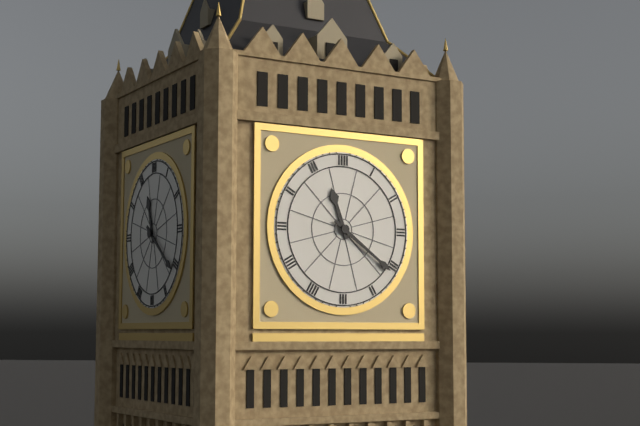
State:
11h21
